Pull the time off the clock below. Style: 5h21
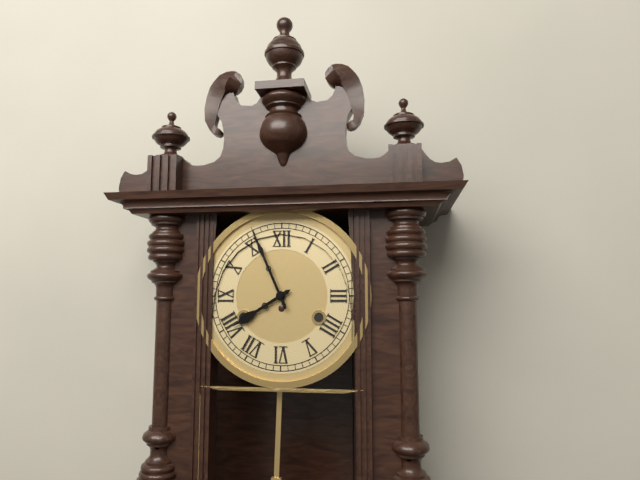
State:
7h56
